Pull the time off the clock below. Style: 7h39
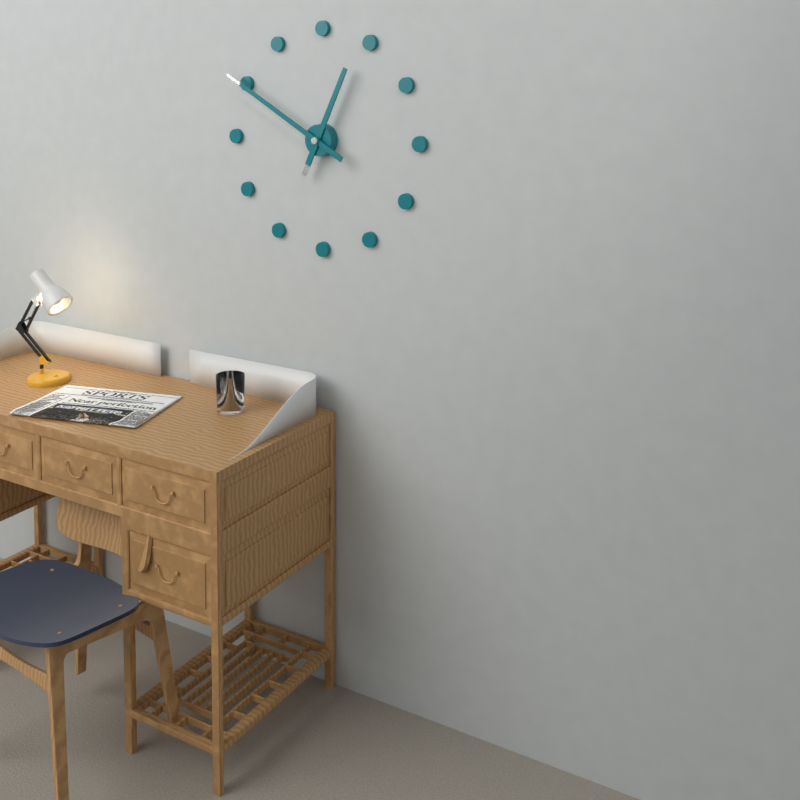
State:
12h50
